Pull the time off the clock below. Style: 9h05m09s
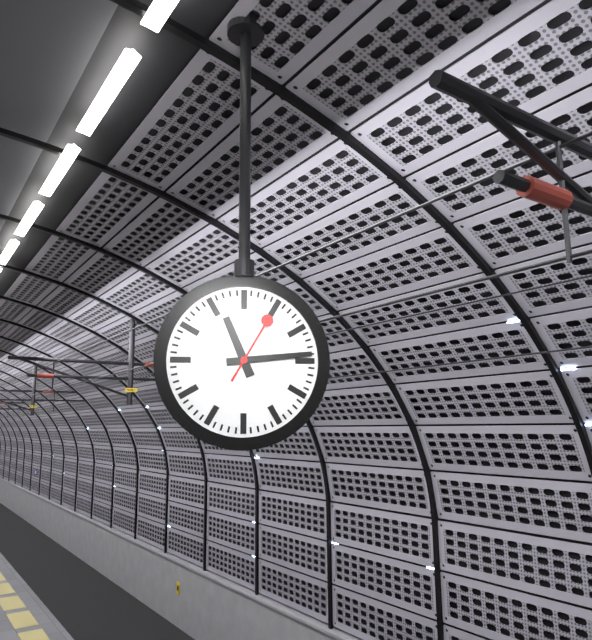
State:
11h14m05s
